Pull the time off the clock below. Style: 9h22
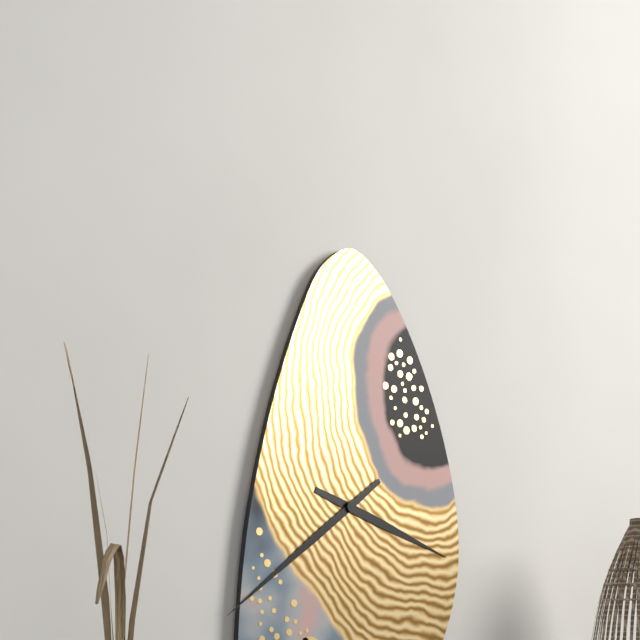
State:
3h39
